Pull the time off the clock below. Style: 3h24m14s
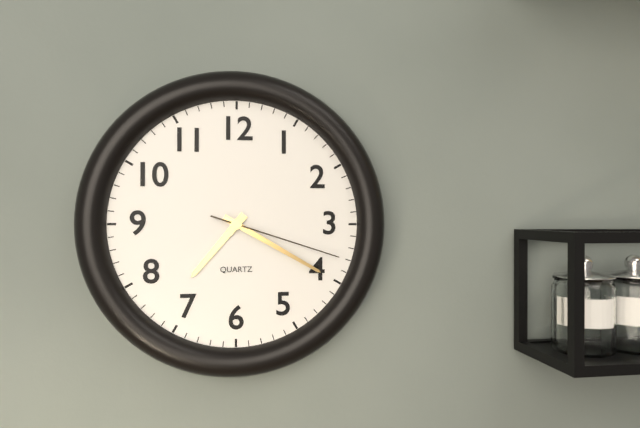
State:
7h20m18s
